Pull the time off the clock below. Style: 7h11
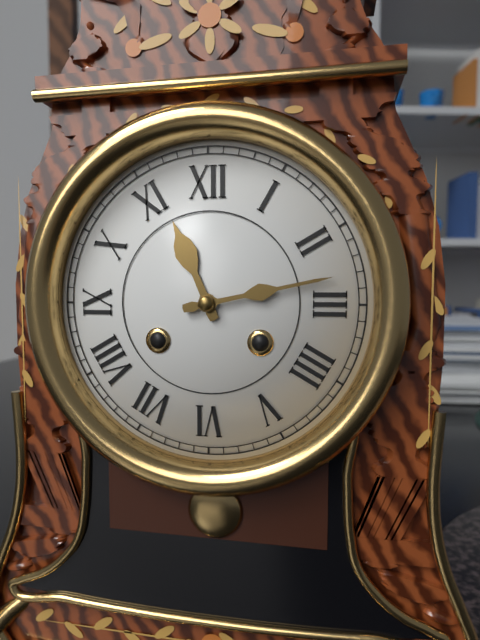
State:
11h13
